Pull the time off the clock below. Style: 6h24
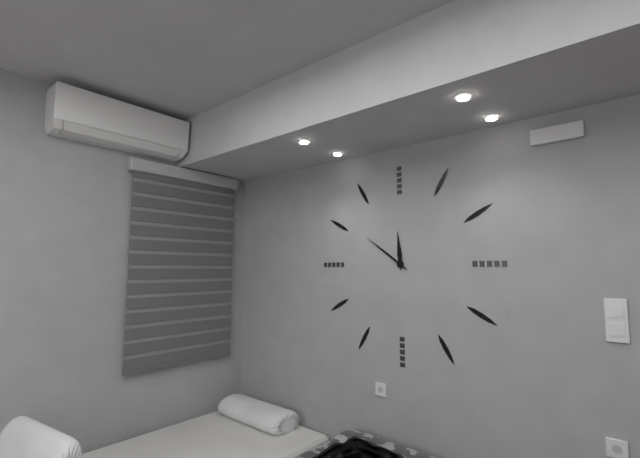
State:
11h51
